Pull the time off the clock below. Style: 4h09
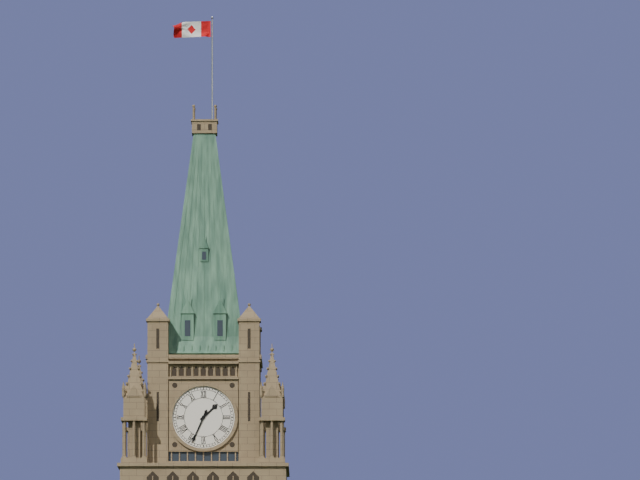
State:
1h34
